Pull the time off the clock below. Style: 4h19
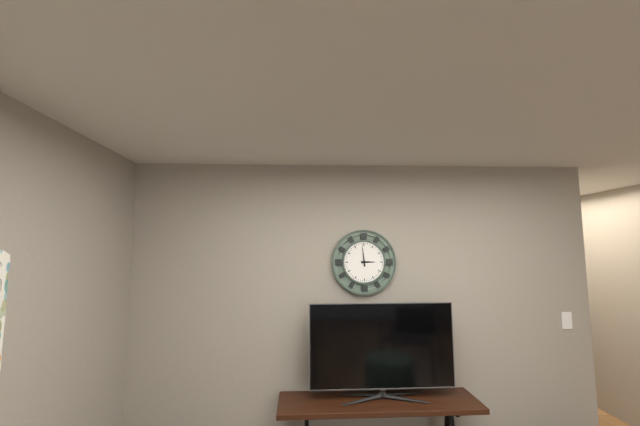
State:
2h59
